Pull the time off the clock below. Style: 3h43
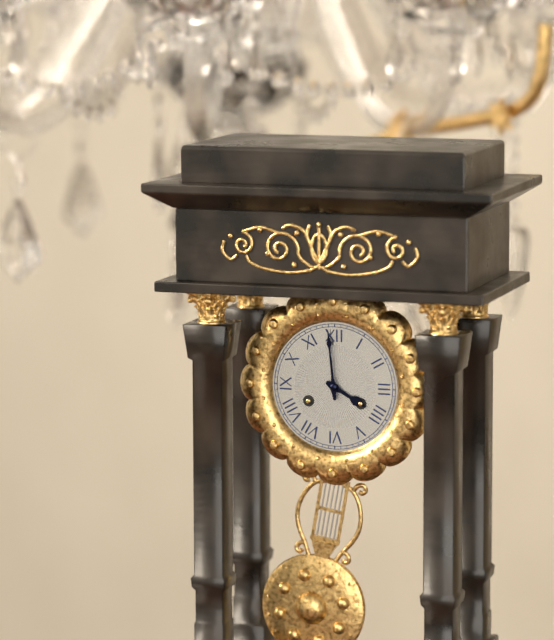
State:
3h59
